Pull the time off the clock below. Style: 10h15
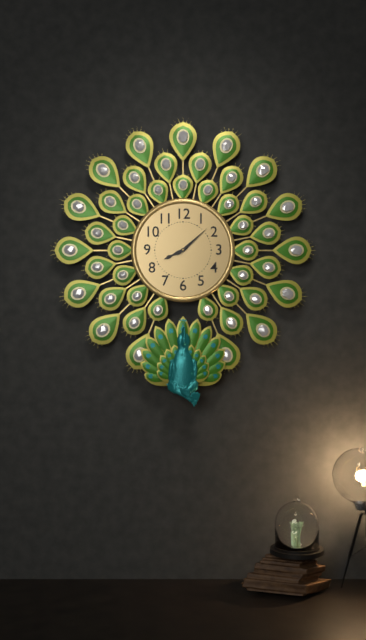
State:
8h08
